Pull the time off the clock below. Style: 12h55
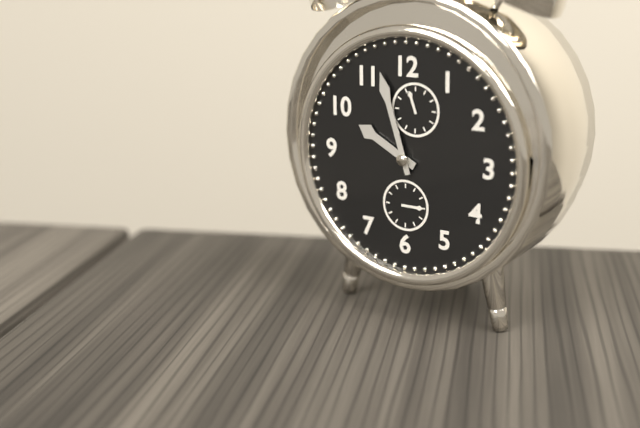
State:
9h57
